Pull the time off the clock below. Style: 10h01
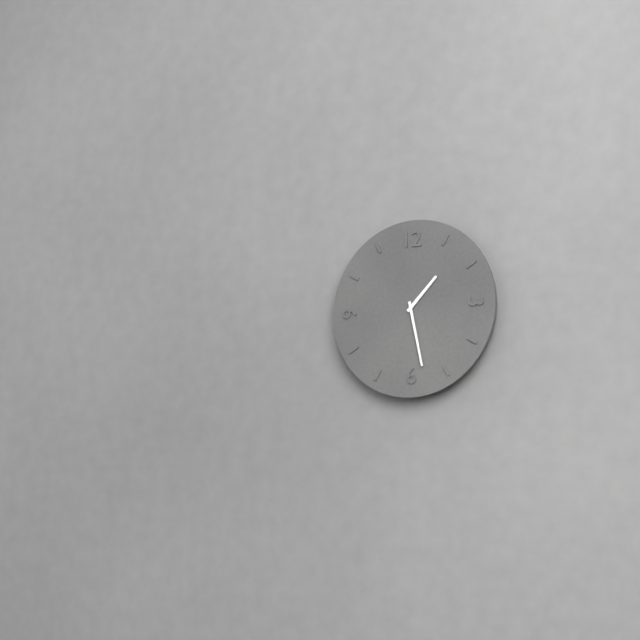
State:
1h28
